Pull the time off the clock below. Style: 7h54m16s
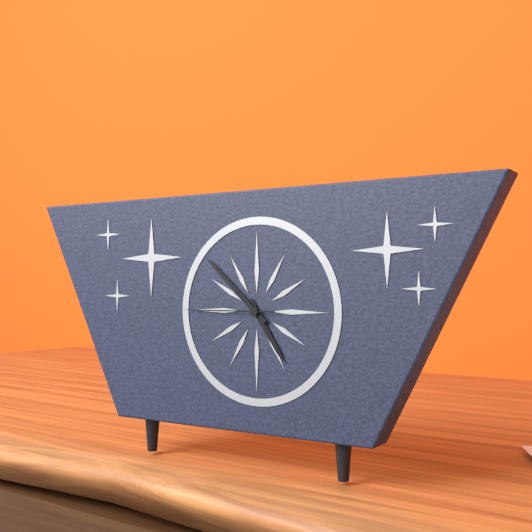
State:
4h52m45s
